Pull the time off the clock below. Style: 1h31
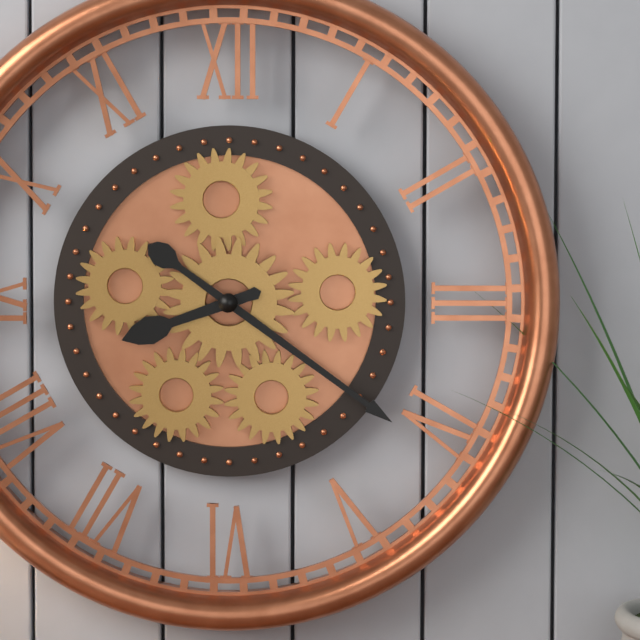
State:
8h21
